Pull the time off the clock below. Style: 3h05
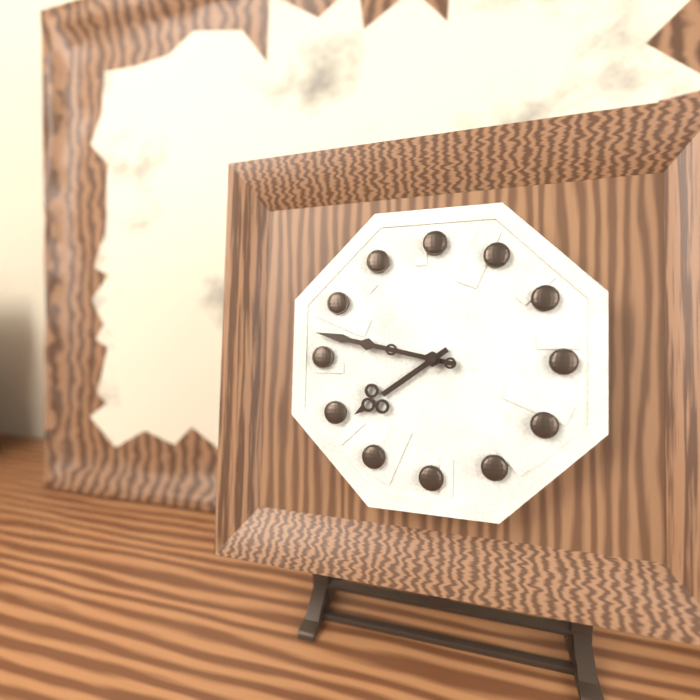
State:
7h47
